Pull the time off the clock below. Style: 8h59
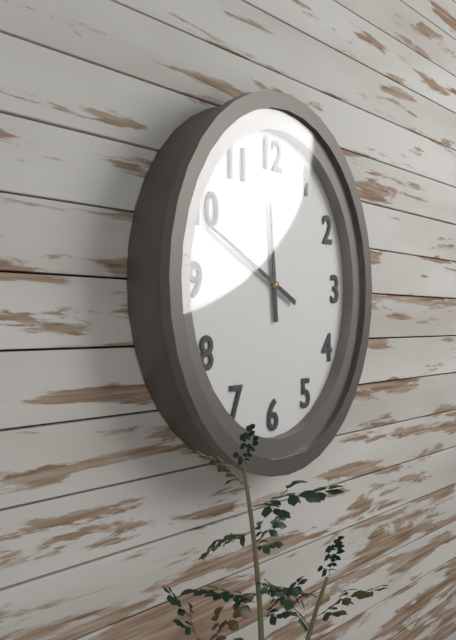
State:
11h49
